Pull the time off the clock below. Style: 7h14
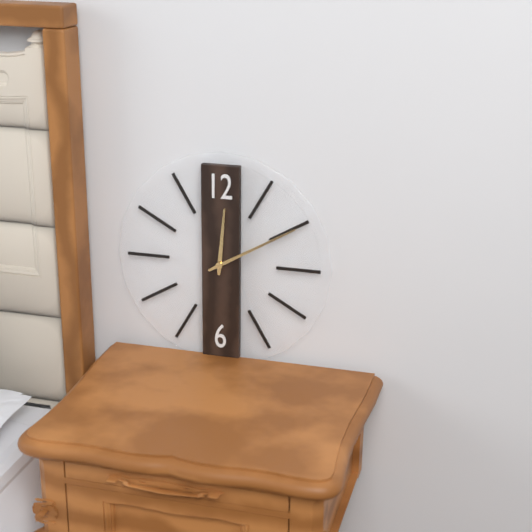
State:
12h10
